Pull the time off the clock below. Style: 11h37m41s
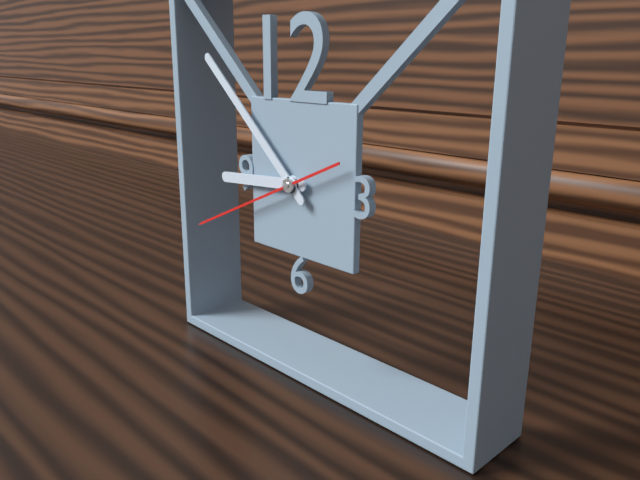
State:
8h52m41s
